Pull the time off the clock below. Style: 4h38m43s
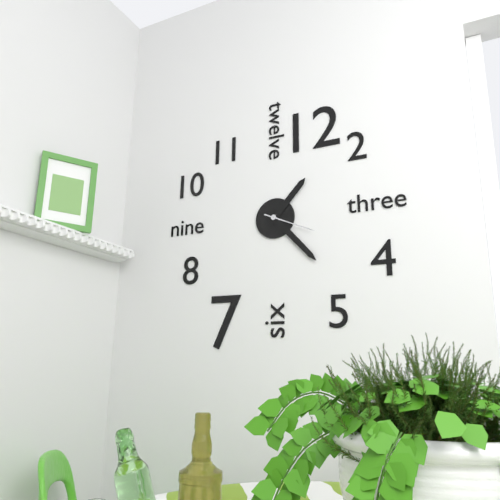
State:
1h23m19s
